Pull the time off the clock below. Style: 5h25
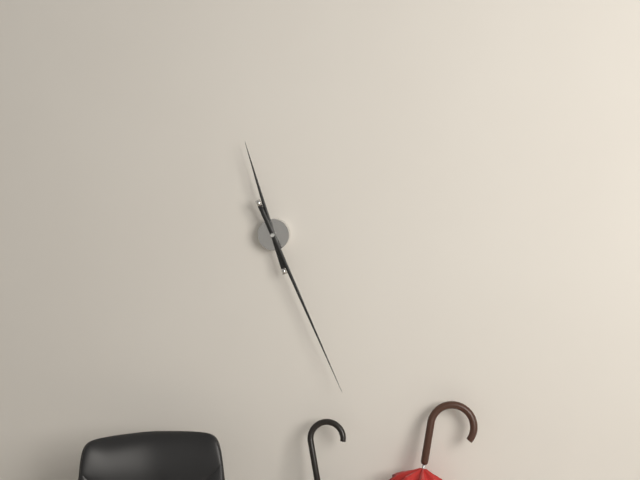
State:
11h26
